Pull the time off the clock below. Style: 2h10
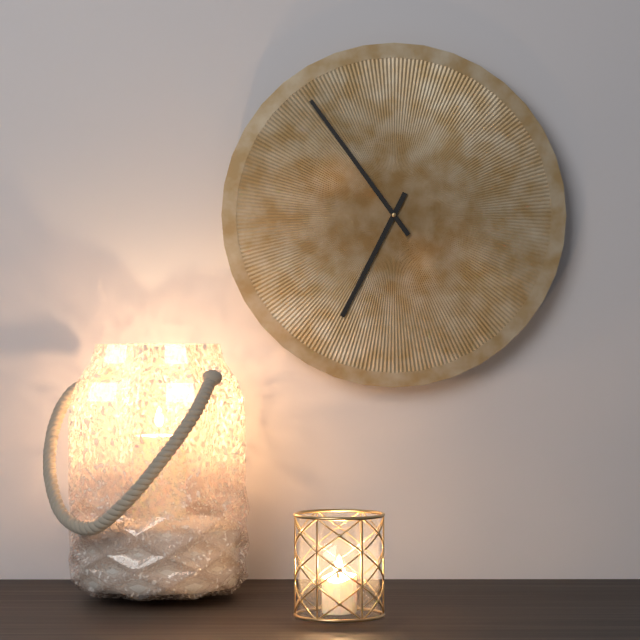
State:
6h54
